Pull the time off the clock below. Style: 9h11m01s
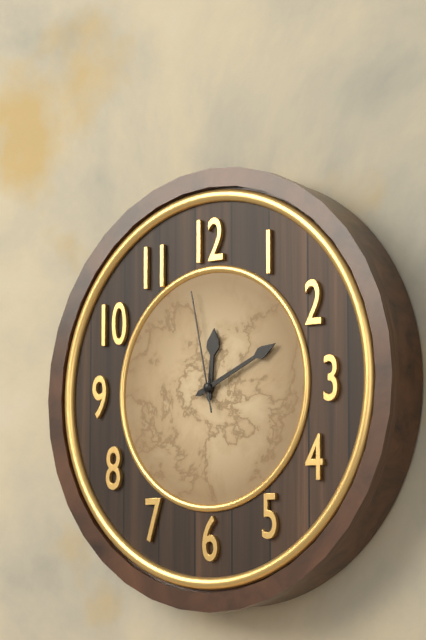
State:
12h11m58s
